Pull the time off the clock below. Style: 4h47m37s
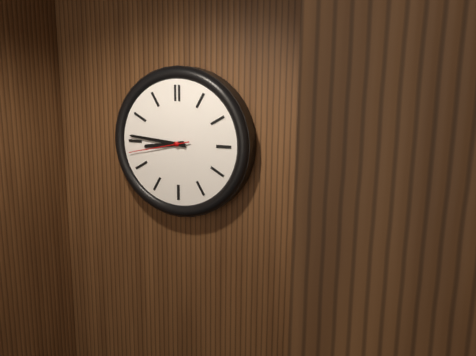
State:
8h46m43s
